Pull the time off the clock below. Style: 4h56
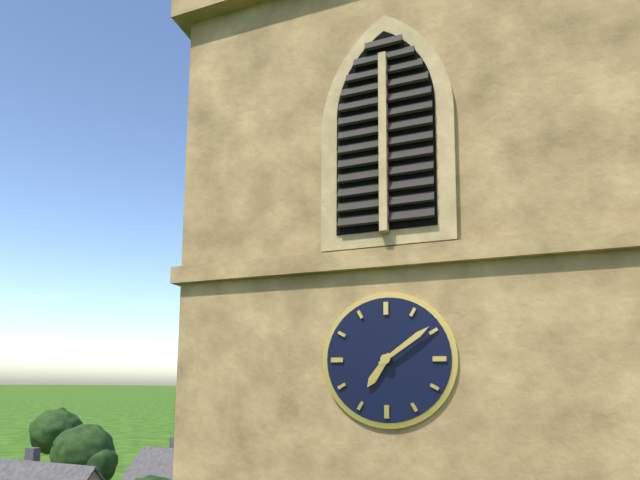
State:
7h09
